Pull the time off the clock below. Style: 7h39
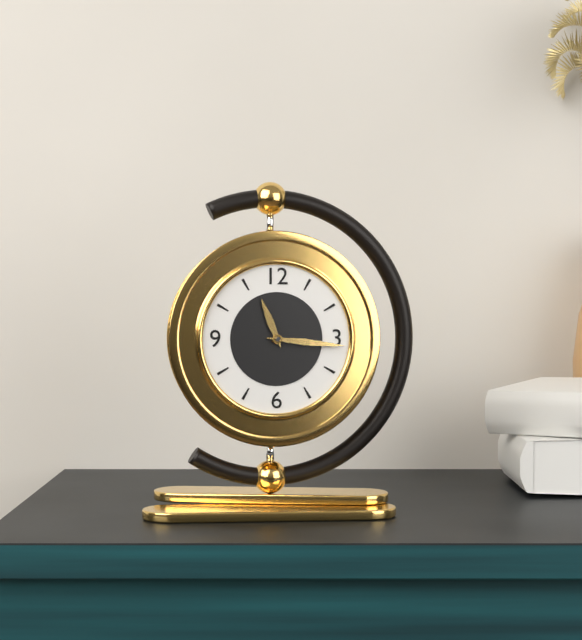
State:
11h16
